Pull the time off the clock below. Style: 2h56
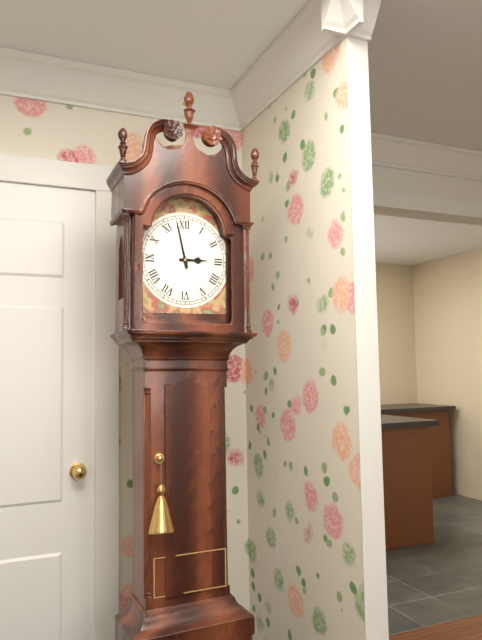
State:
2h58
